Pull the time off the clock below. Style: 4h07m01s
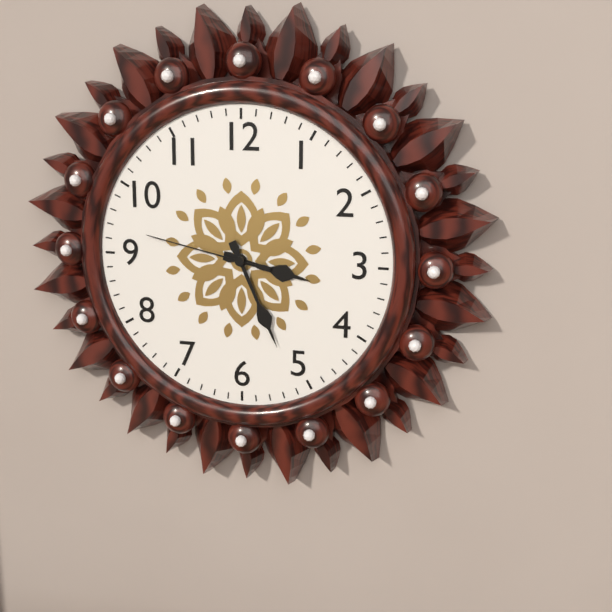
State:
3h26m47s
